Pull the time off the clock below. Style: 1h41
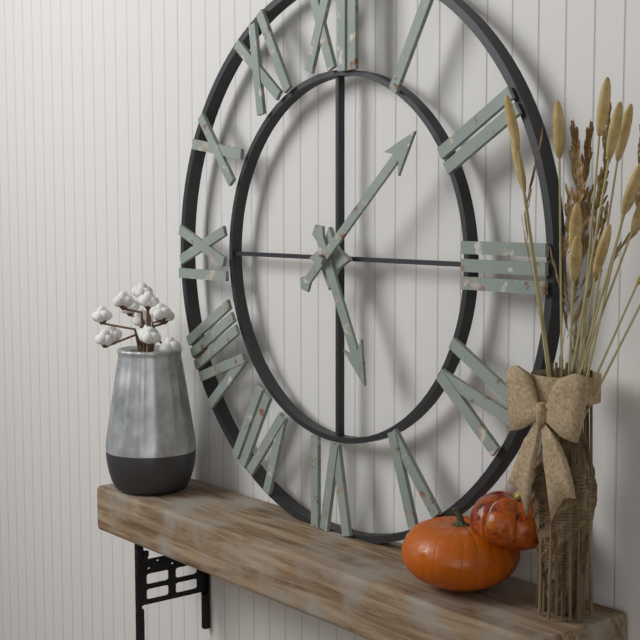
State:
5h08
